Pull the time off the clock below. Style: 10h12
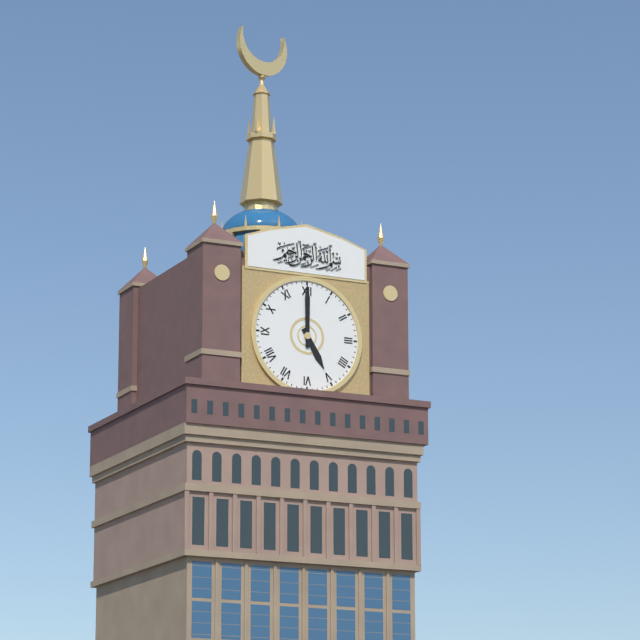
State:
5h00
